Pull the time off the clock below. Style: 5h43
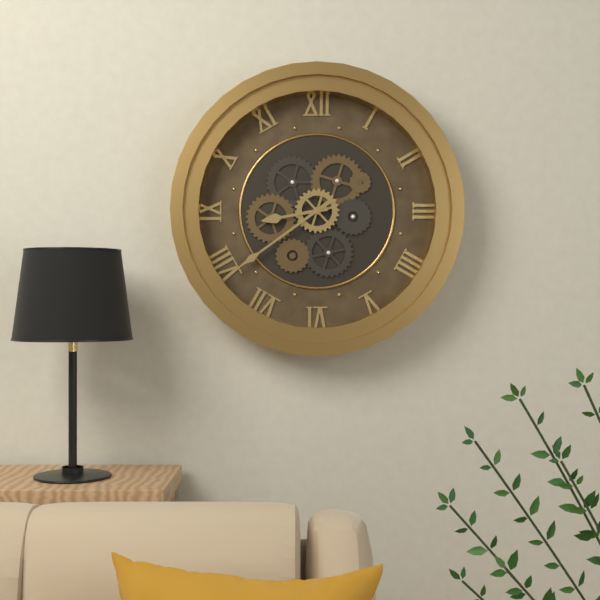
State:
8h39
